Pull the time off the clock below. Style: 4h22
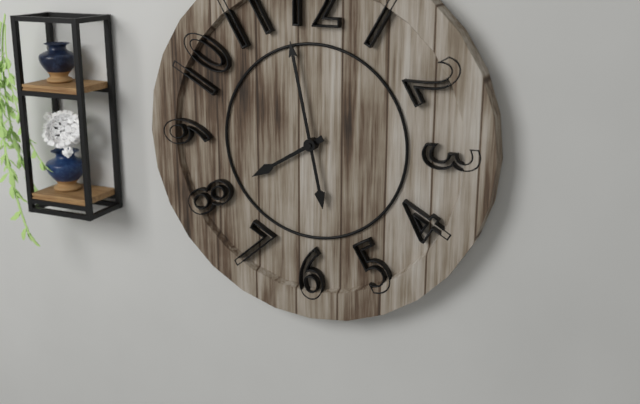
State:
7h58
